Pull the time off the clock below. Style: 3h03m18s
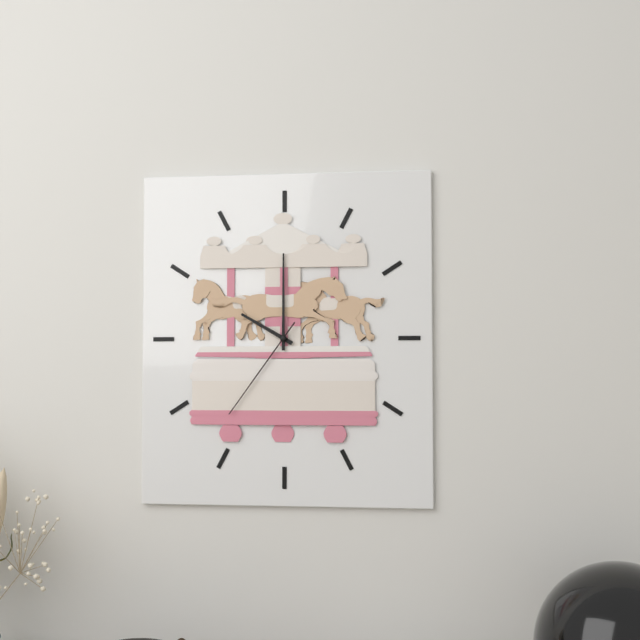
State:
10h00m36s
